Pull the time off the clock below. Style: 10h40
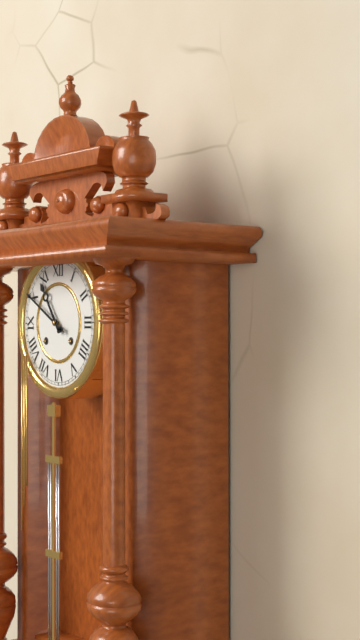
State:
10h50
